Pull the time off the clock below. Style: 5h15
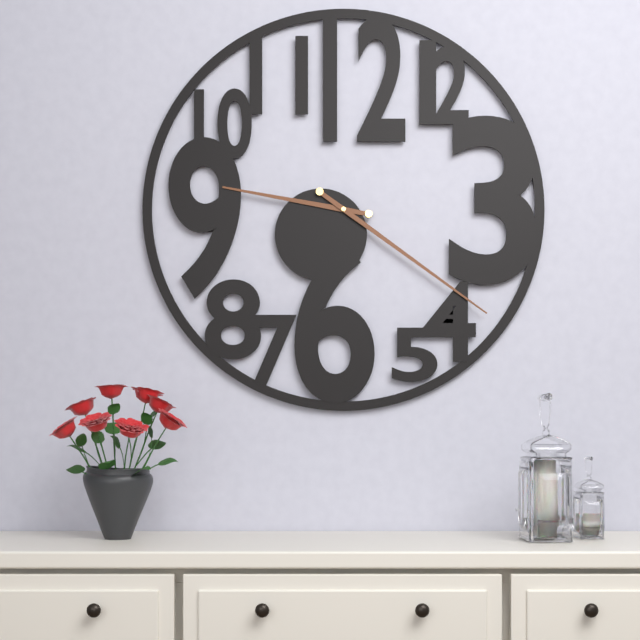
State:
9h21
